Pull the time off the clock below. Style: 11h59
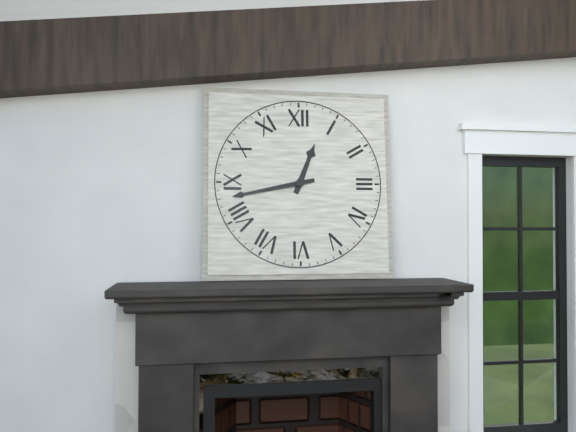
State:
12h43
